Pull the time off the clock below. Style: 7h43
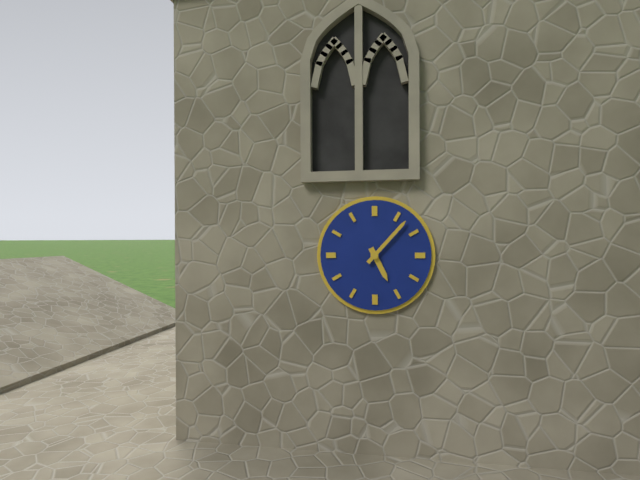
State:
5h07
